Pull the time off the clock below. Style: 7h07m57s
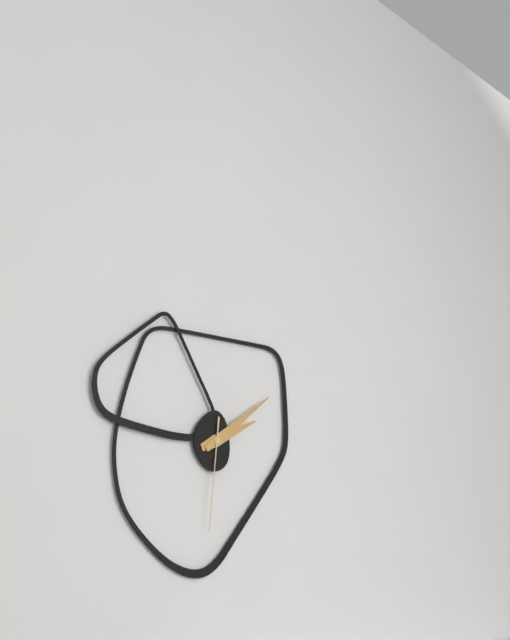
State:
2h09m31s
